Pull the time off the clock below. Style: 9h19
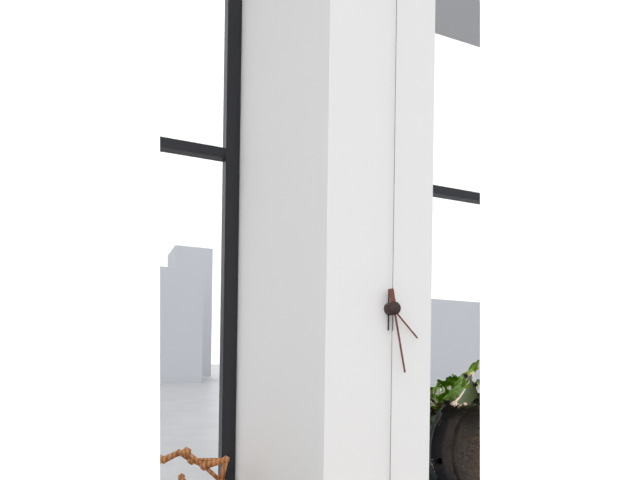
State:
4h28
